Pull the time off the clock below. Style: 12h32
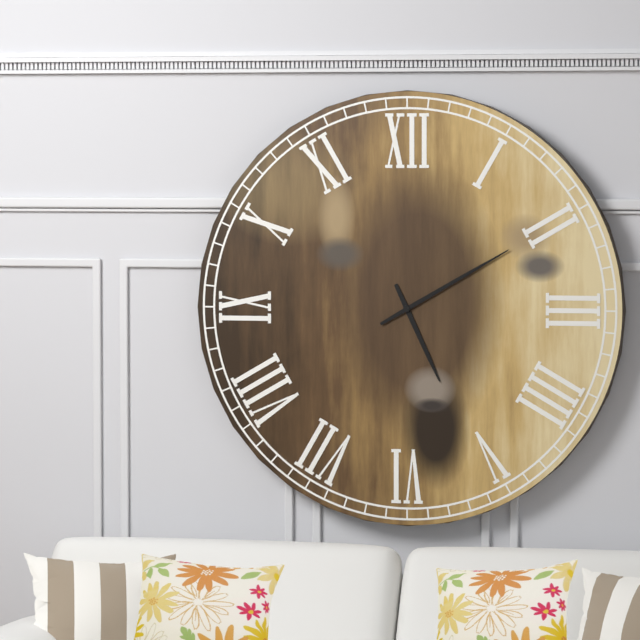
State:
5h10
